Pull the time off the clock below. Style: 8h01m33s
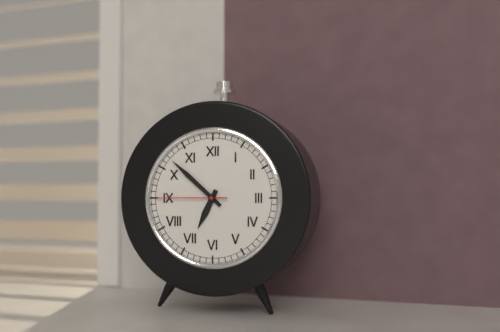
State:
6h52m45s
